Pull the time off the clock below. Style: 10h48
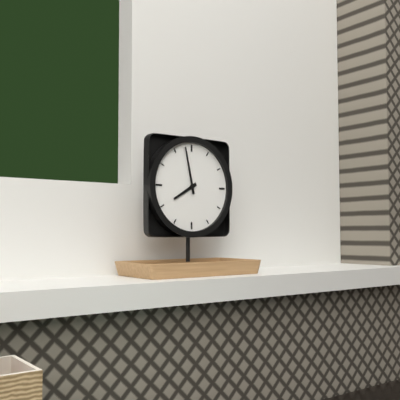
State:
7h58
